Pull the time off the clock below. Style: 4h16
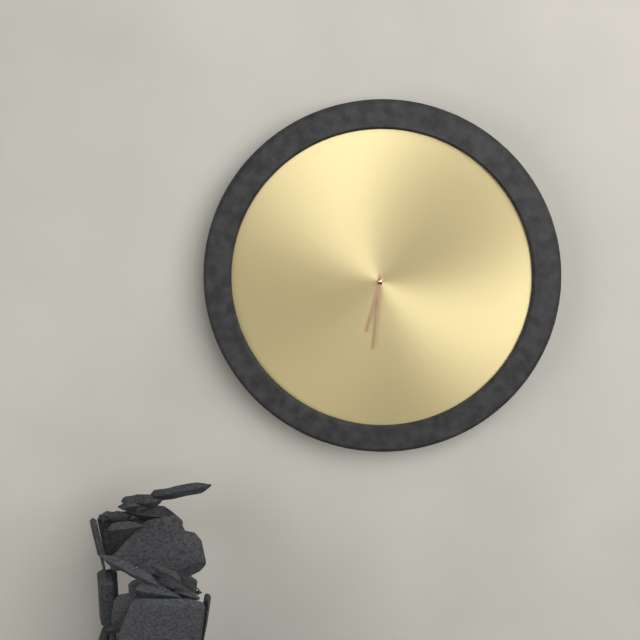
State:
6h31
